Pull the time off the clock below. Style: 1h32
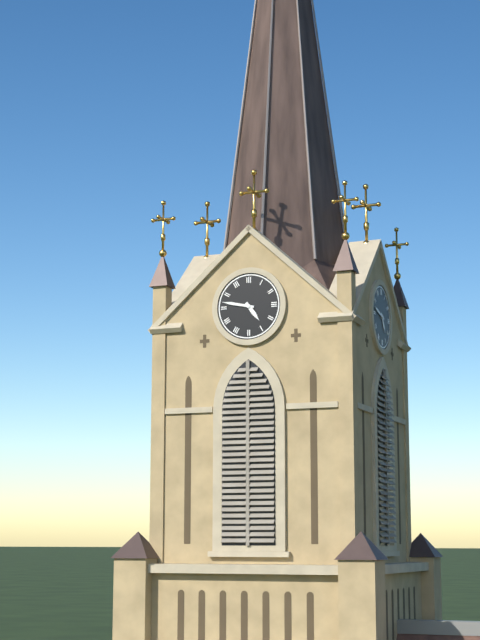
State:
4h47
